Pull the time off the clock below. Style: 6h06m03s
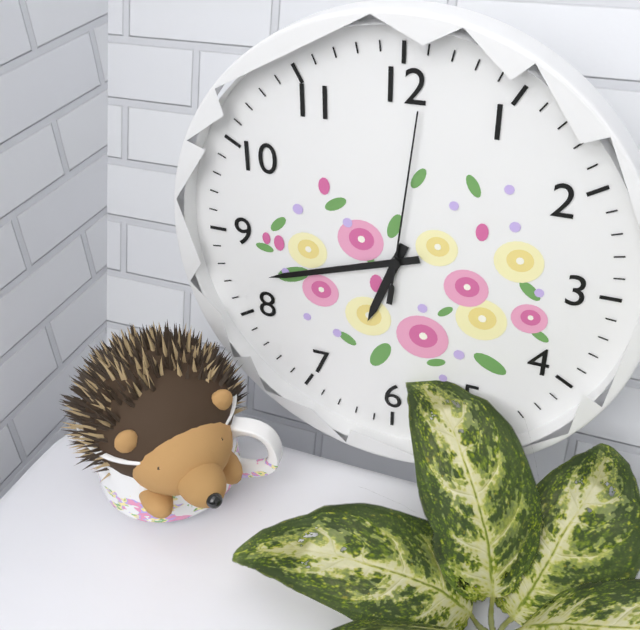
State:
6h42m01s
